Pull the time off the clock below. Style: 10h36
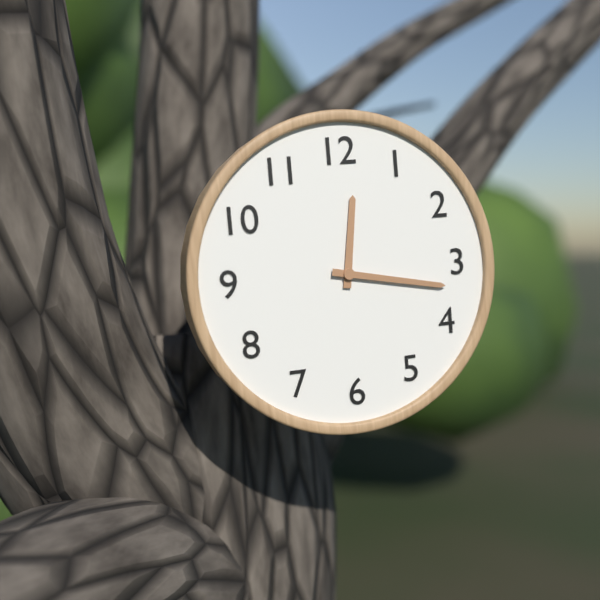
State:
12h17
